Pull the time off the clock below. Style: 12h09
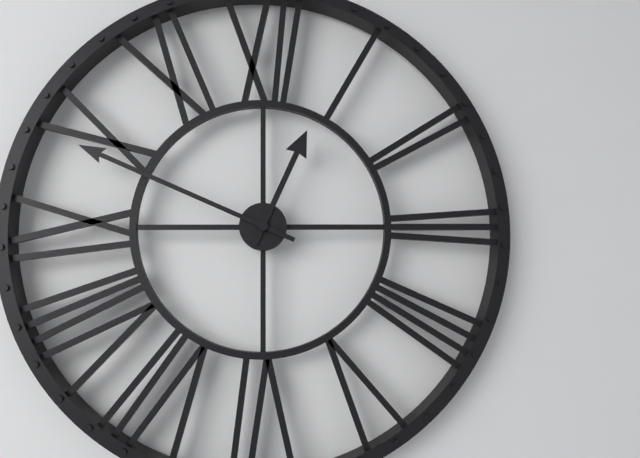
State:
12h49
